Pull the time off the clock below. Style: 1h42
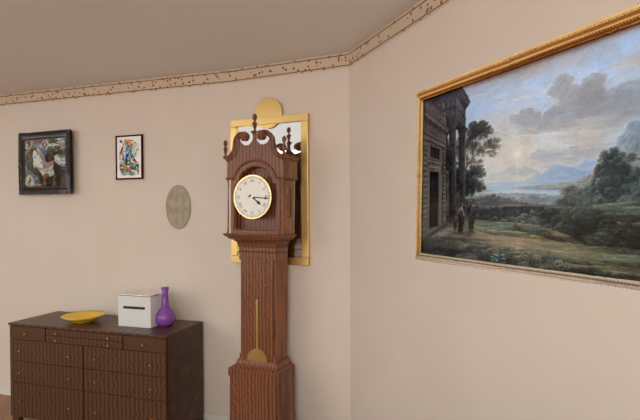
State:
4h16
